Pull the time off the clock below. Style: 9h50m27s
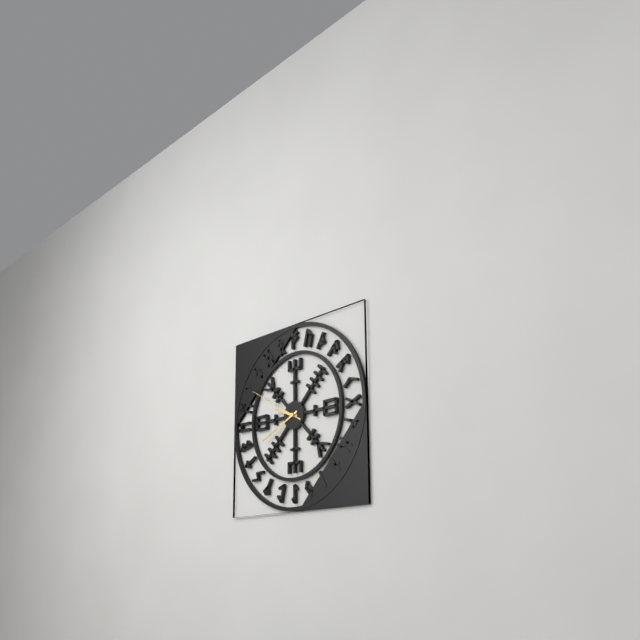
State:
9h41m50s
